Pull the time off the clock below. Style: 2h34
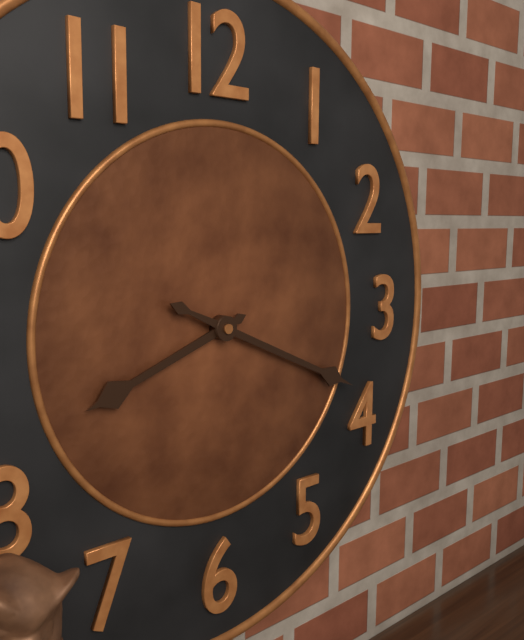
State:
8h19
